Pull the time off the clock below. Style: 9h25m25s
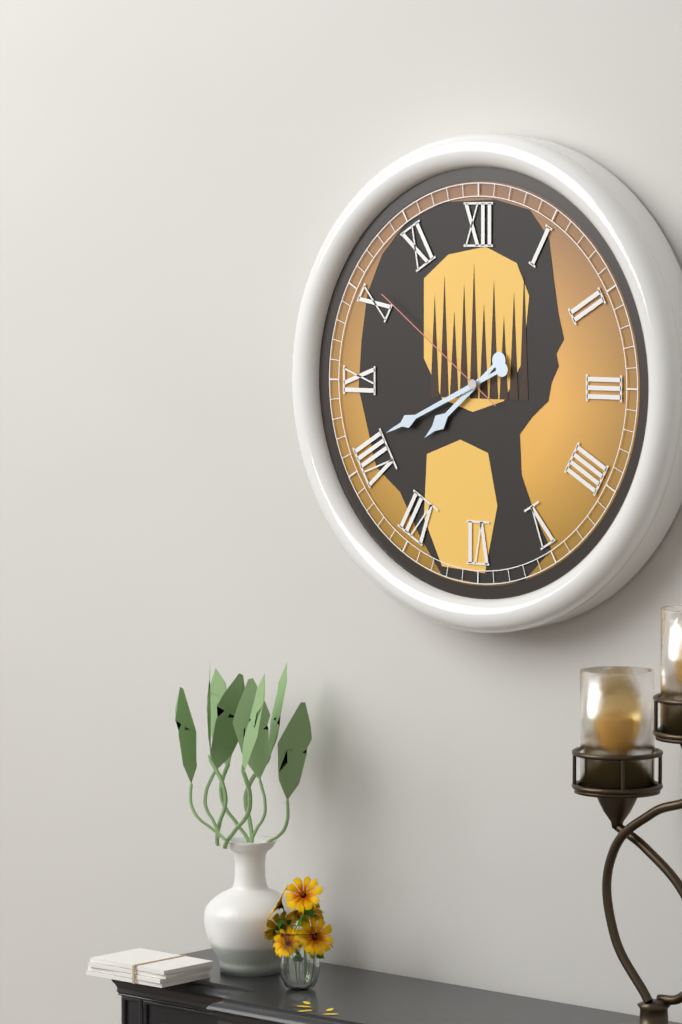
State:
7h41m51s
